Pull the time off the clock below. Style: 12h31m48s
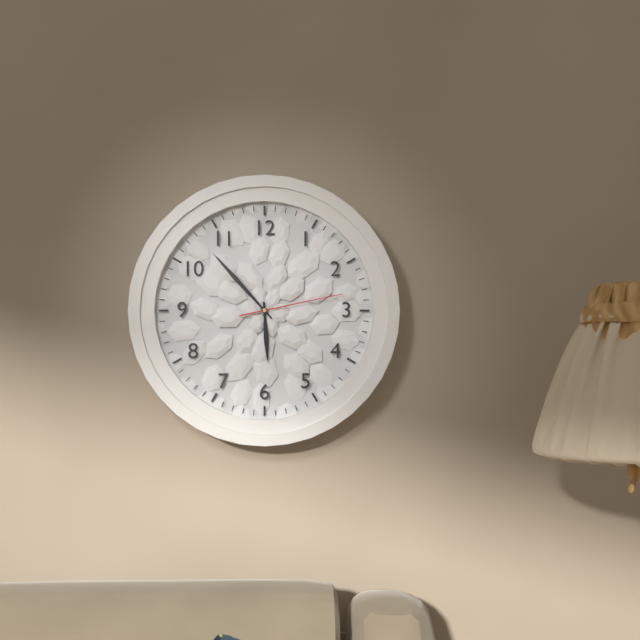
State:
5h53m13s
